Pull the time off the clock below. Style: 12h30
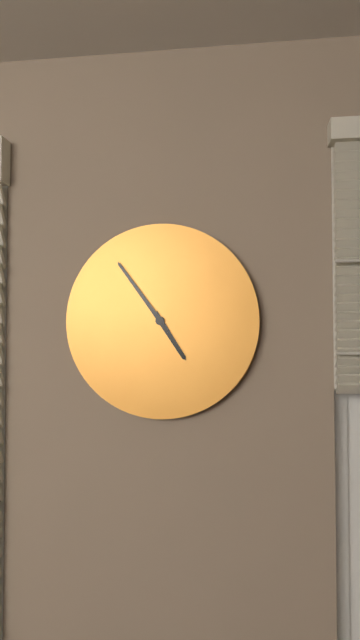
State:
4h54
